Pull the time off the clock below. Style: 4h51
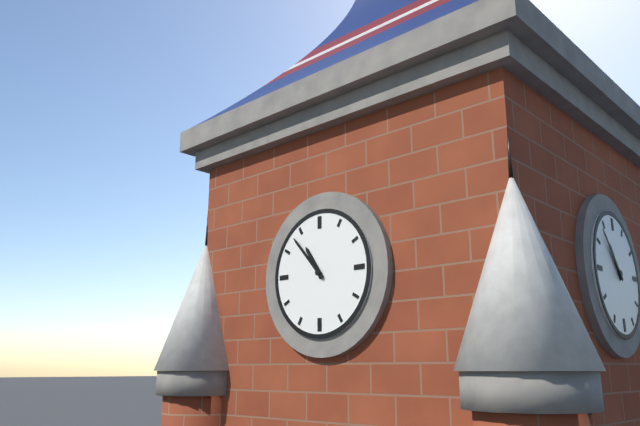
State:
10h53
